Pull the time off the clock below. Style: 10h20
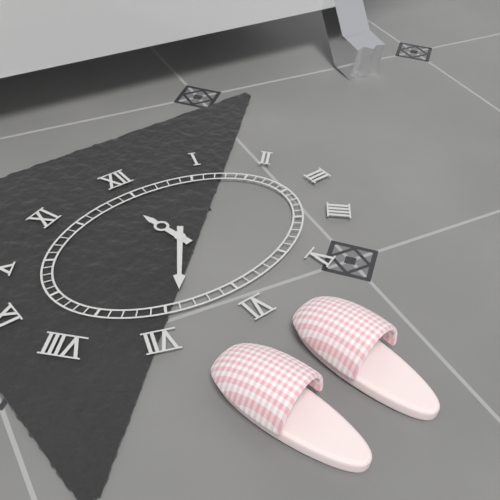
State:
11h36
